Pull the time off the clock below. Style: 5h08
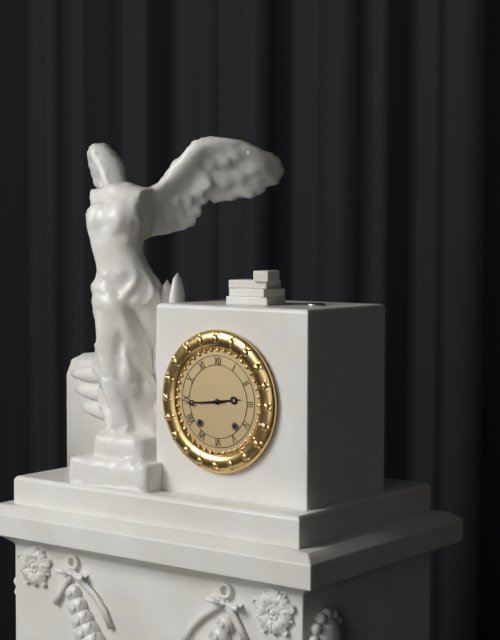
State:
2h44
